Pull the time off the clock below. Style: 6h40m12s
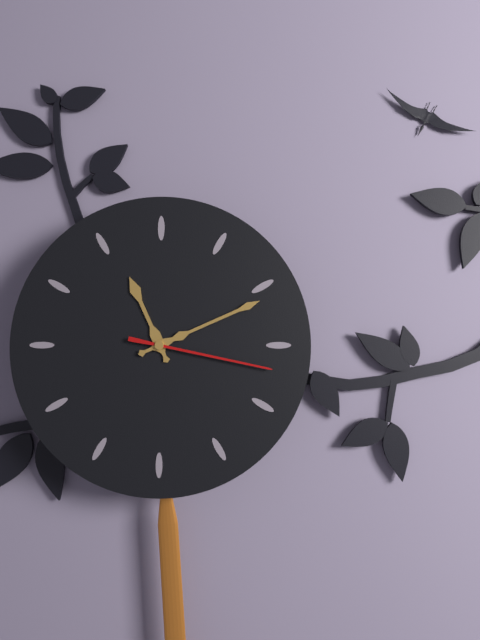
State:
11h11m17s
